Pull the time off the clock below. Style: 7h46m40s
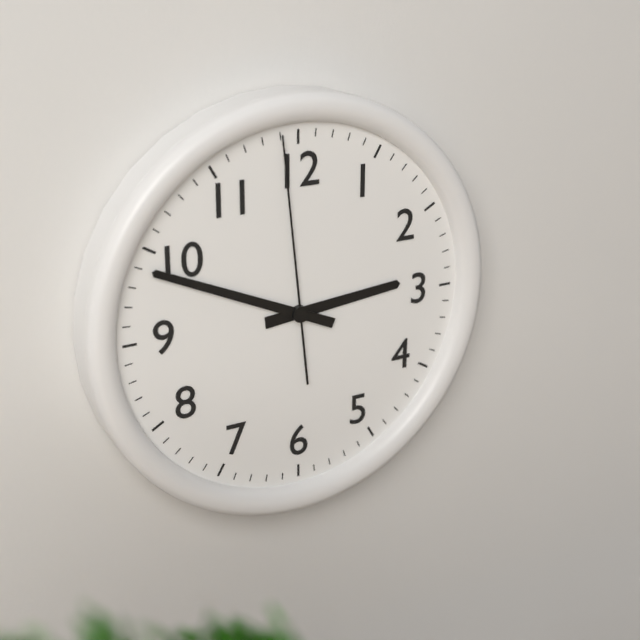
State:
2h49m59s
